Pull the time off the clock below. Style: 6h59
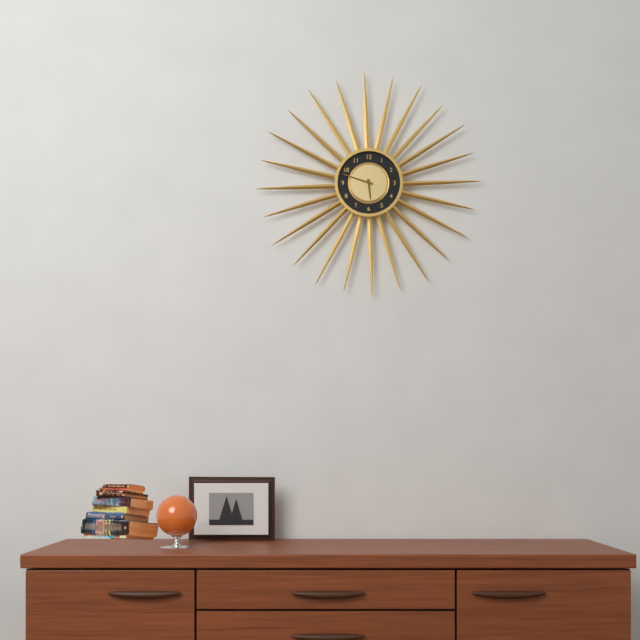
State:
5h48
